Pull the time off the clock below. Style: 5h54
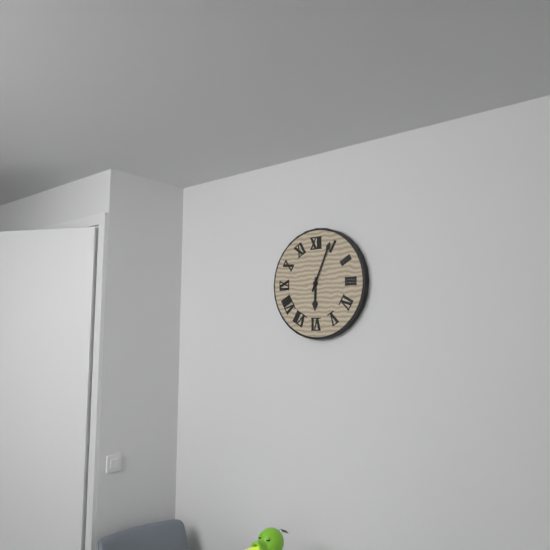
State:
6h04
